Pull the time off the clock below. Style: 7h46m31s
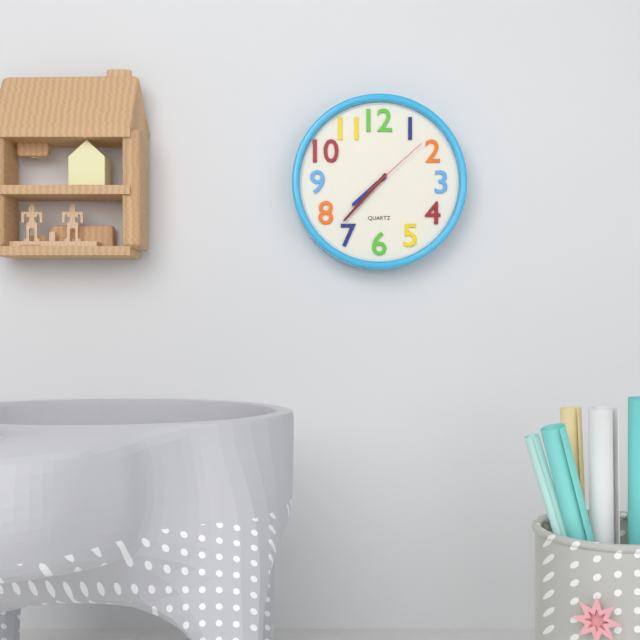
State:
7h37m08s
